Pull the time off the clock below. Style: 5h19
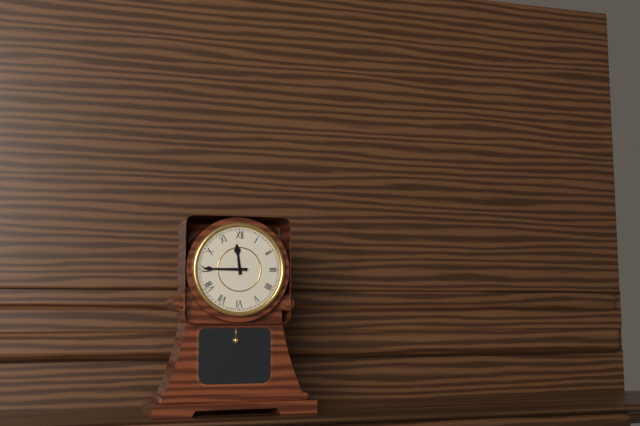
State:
11h45
